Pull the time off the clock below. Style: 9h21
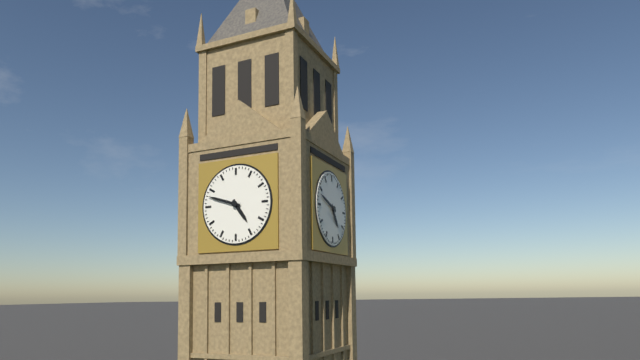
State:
4h48
